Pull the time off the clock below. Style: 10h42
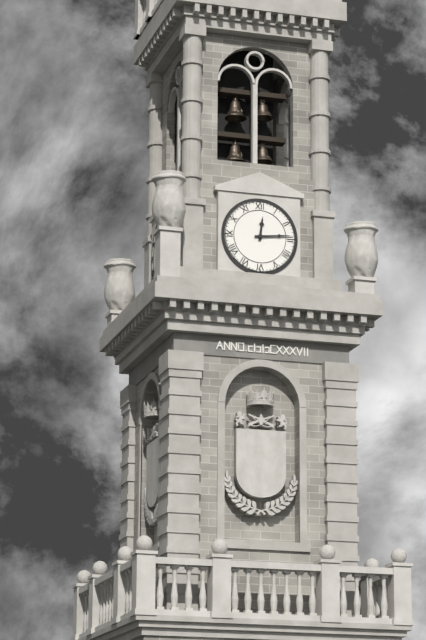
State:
12h14
